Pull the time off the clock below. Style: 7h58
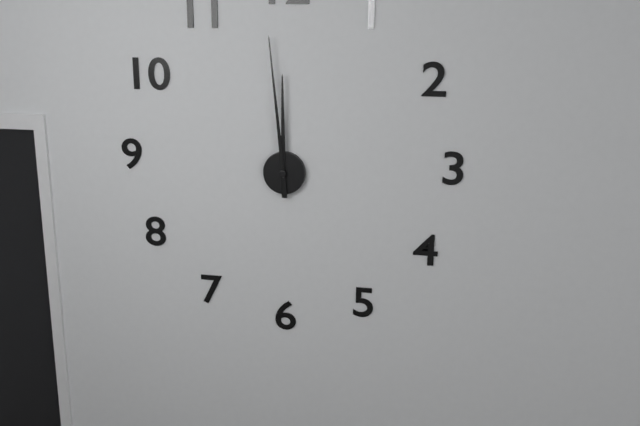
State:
11h59
